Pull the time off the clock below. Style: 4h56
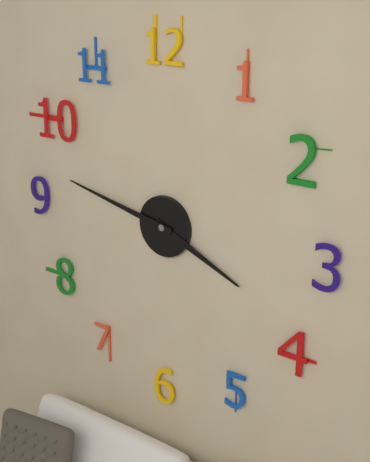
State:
3h47
